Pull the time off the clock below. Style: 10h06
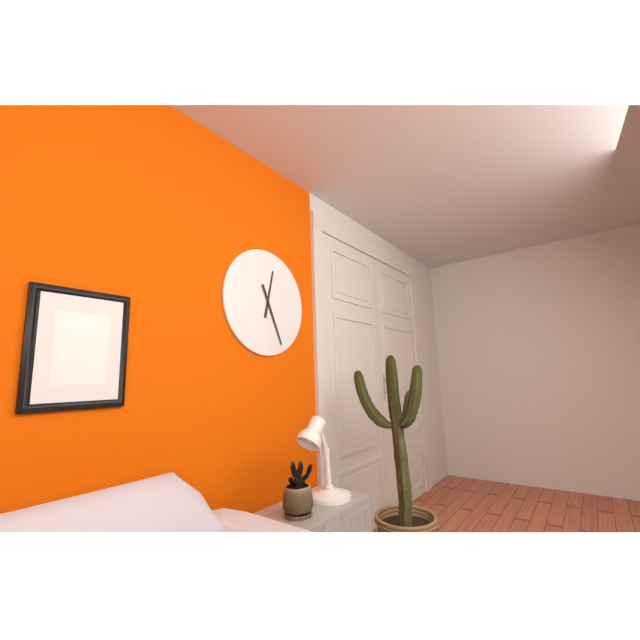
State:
12h26
